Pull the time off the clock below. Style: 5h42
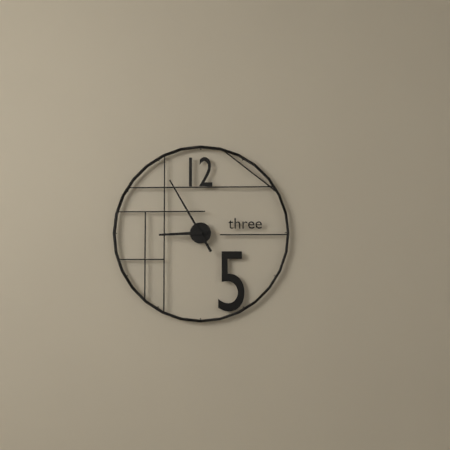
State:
8h55
